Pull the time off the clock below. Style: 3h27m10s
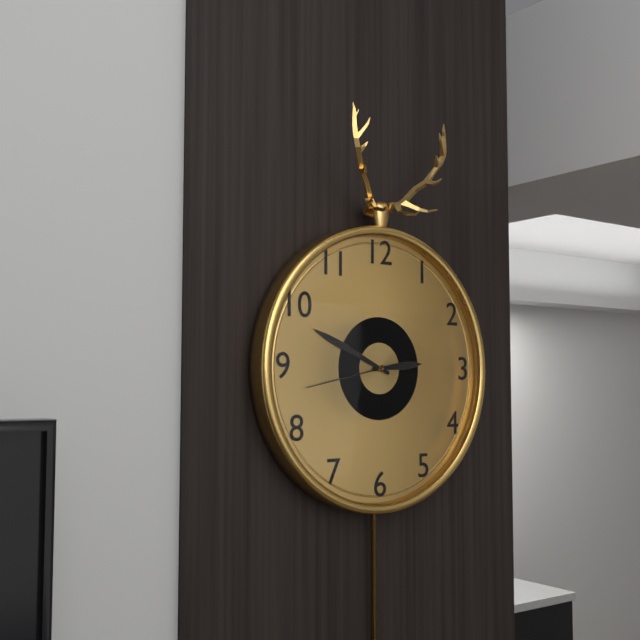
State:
2h49m43s
